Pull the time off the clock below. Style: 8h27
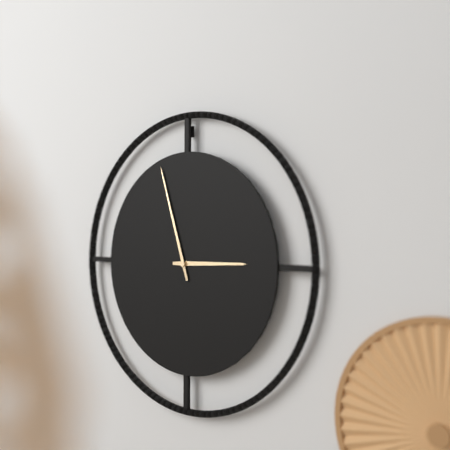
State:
2h57
